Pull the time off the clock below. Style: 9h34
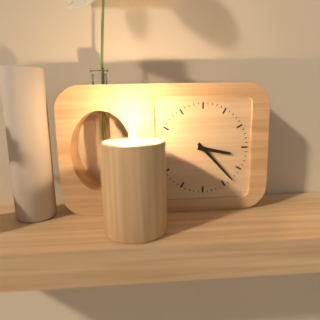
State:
3h23
